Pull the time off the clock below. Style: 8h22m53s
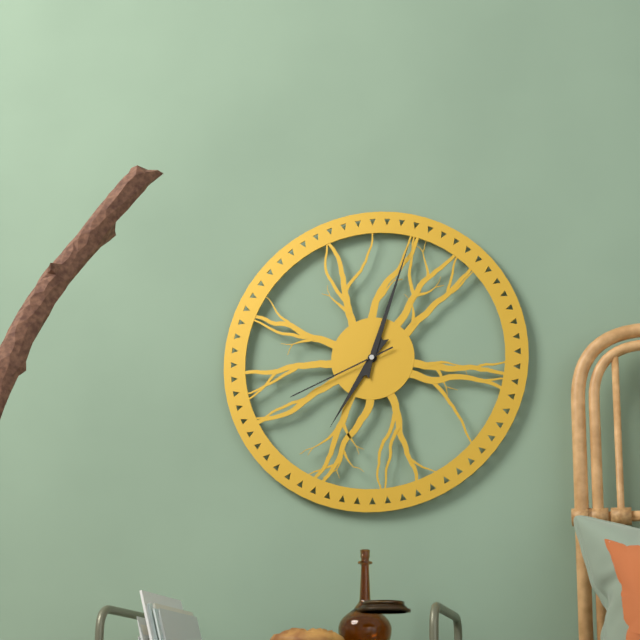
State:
7h03m41s
